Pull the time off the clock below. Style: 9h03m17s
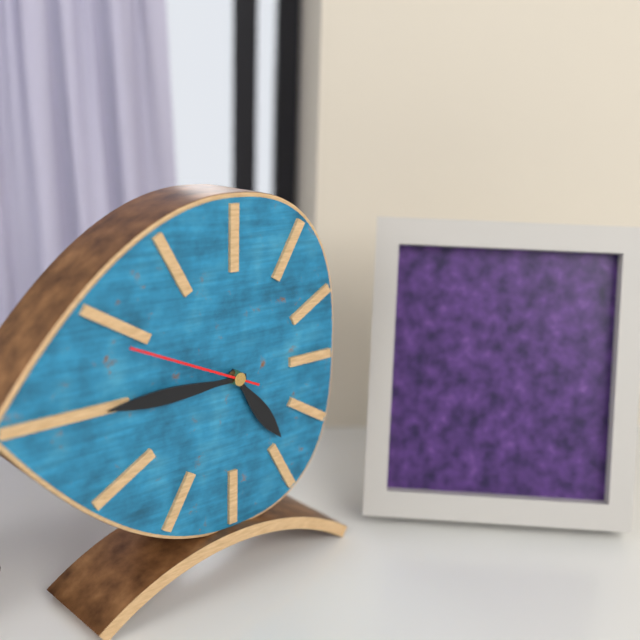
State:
4h45m49s
